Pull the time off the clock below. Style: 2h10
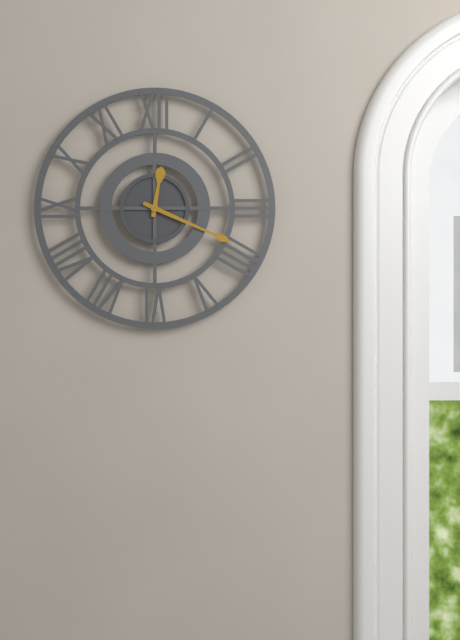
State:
12h19
